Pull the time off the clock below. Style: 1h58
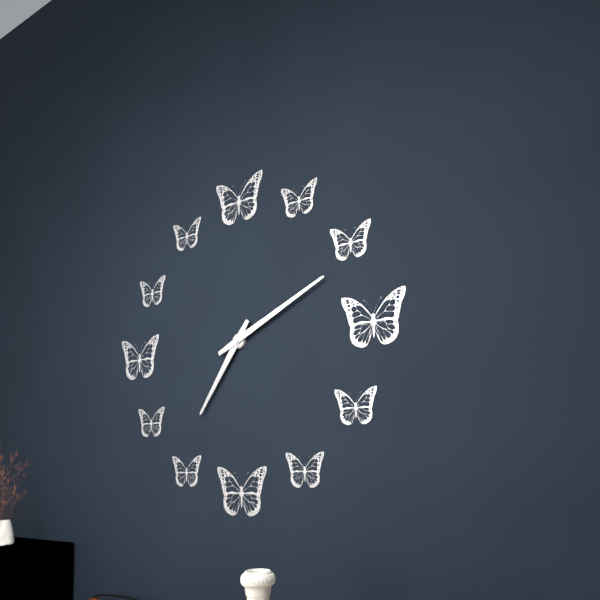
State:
7h11
